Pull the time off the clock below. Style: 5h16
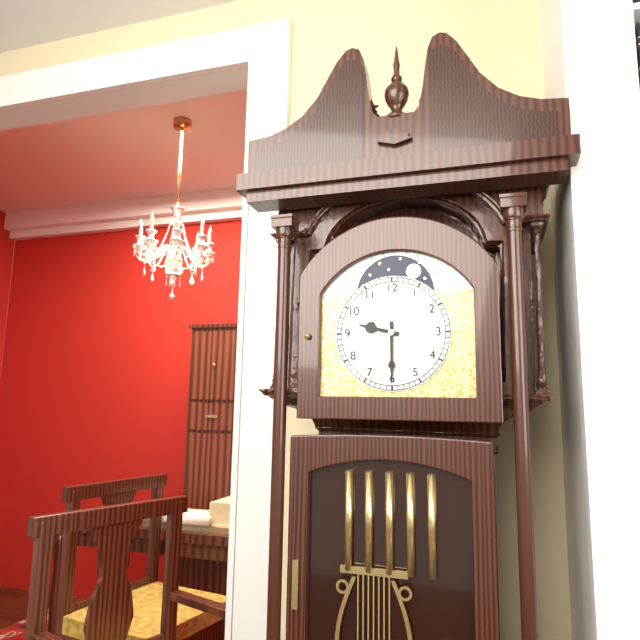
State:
9h30
